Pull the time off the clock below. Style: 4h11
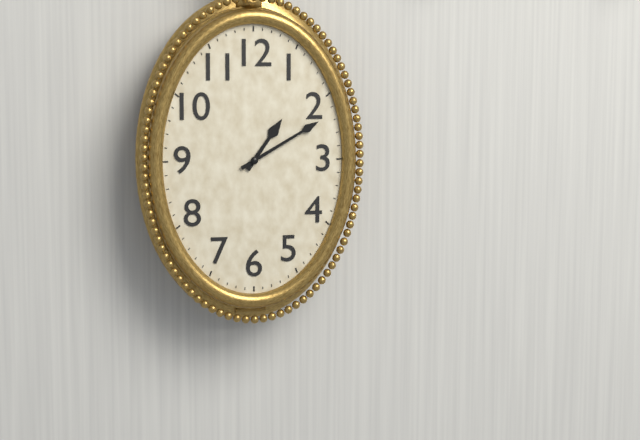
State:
1h10
